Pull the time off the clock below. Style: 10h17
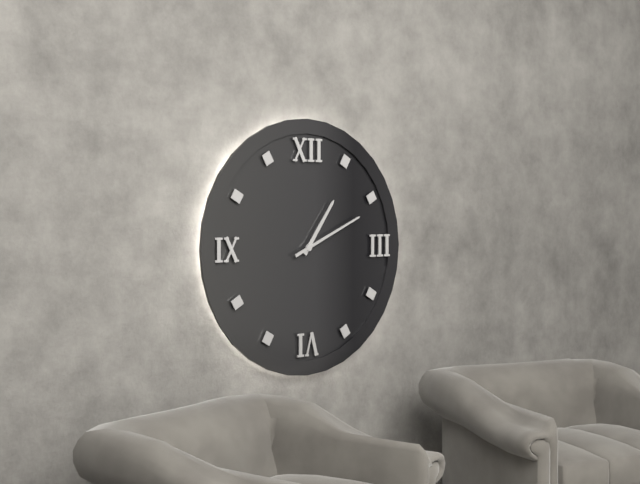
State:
1h11
